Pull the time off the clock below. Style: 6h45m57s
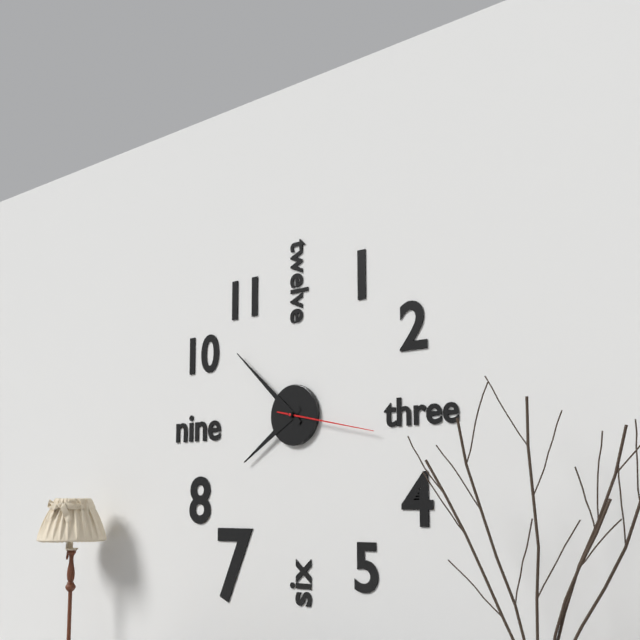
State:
7h52m17s
